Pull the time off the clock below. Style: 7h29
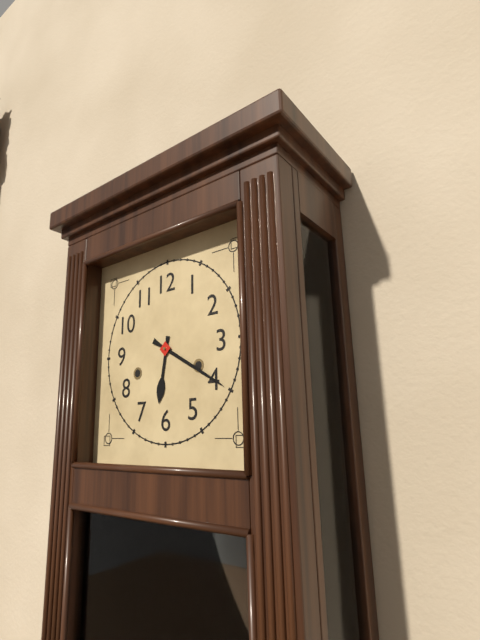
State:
6h20
